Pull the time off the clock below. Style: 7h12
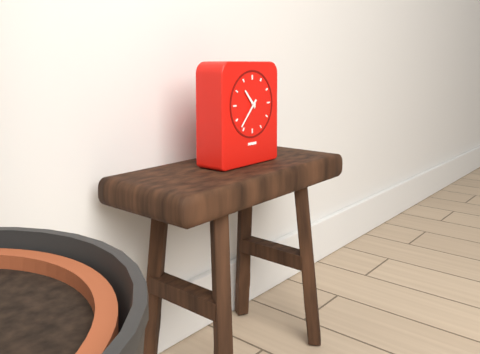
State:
10h37
